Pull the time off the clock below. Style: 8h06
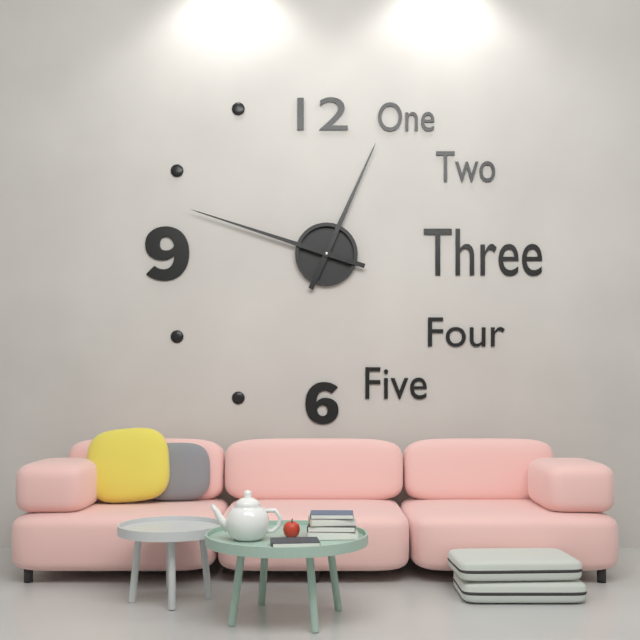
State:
12h48
